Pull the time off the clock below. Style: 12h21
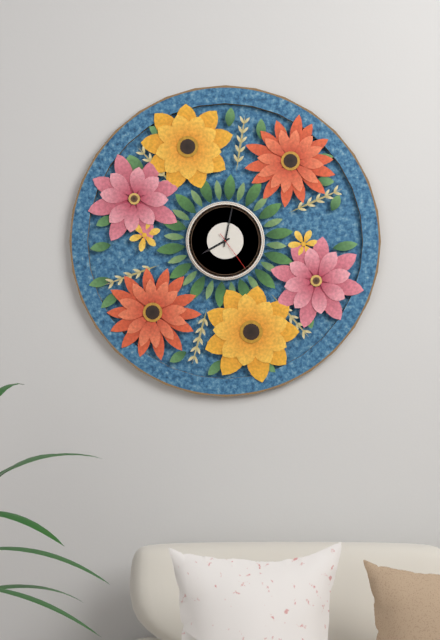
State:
8h02
